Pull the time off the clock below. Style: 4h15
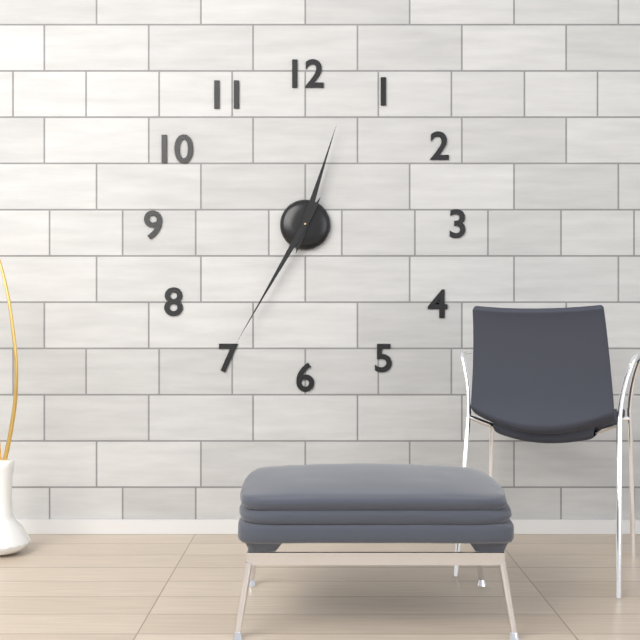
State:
12h35
